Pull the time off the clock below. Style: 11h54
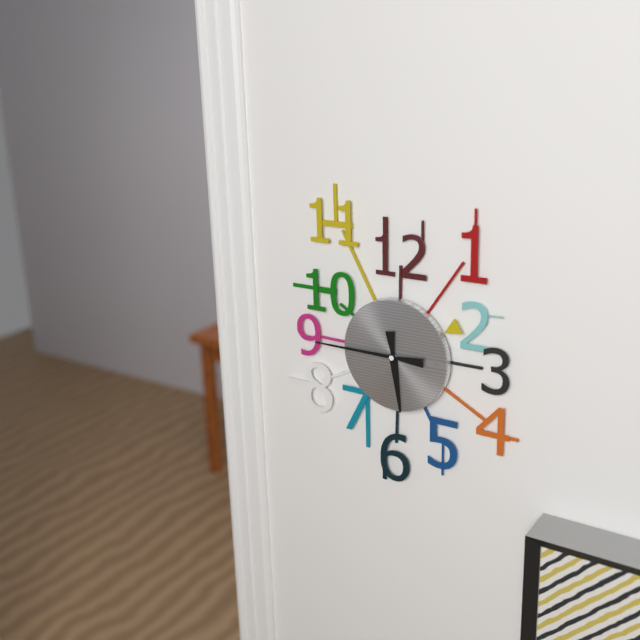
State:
5h45
